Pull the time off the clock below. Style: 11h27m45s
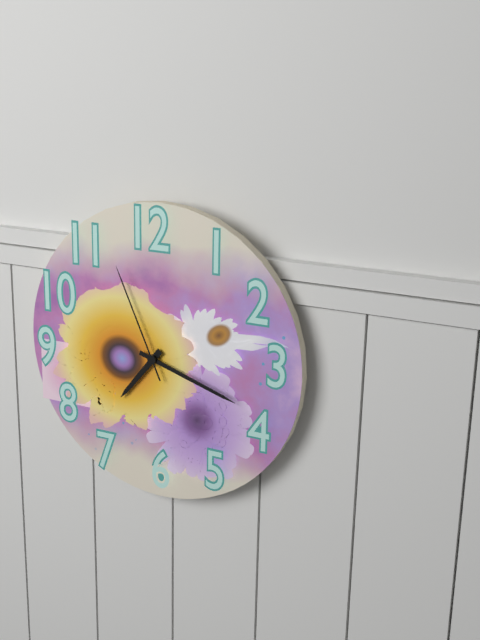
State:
7h18m56s
